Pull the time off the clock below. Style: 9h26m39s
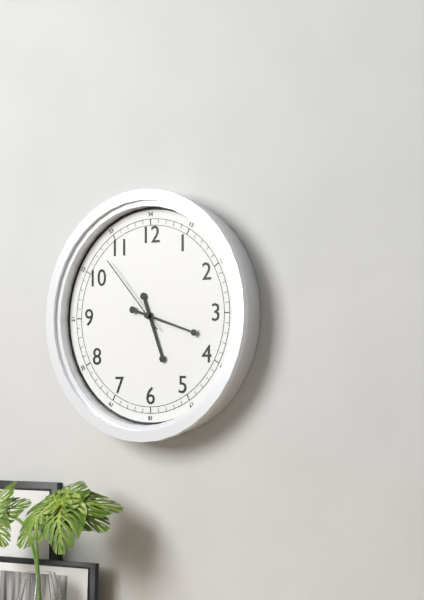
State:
5h18m53s
